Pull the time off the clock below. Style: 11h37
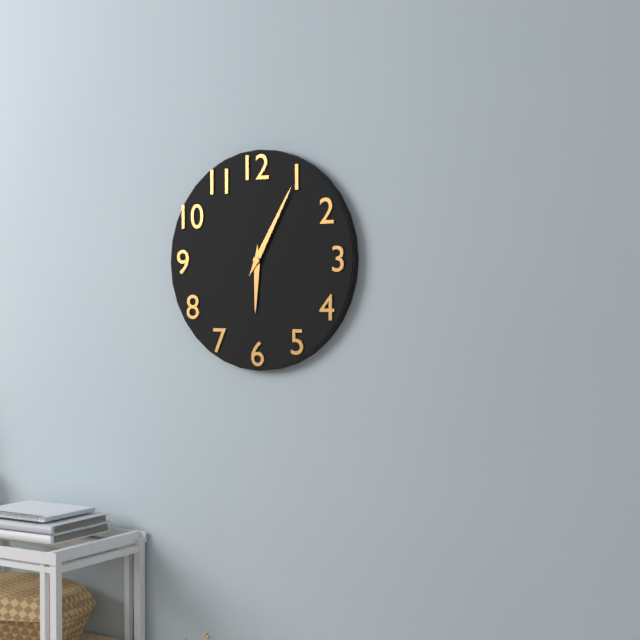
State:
6h05
